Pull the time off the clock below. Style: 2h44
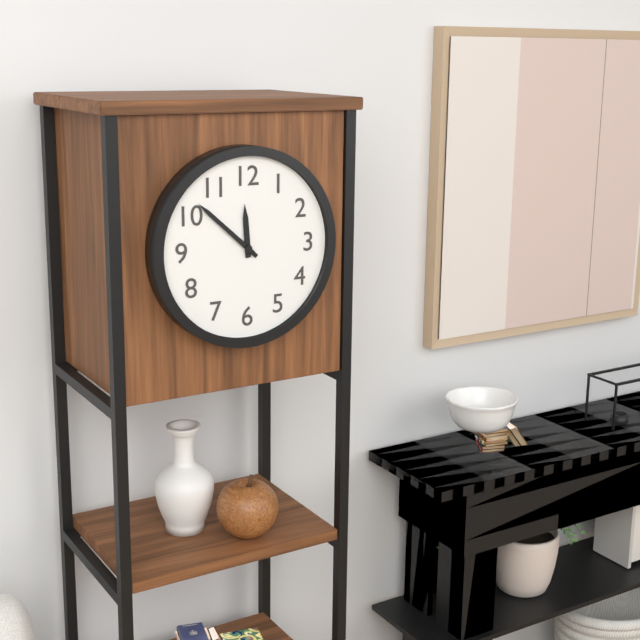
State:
11h52
